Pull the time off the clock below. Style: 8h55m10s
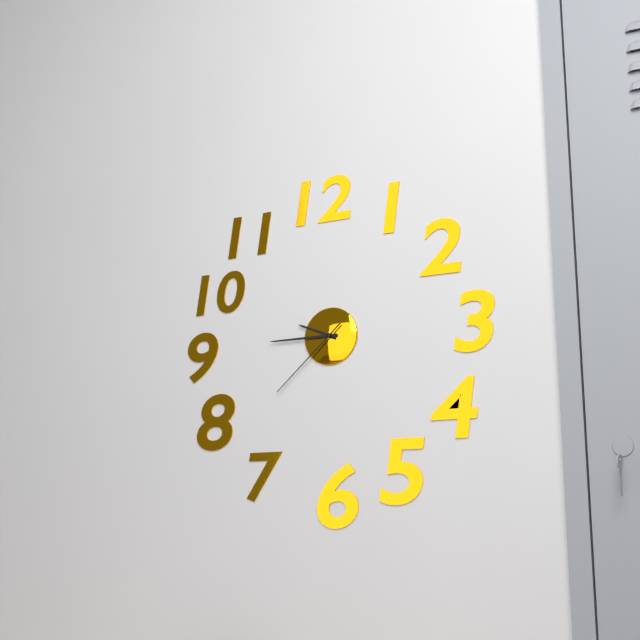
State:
9h45m38s
